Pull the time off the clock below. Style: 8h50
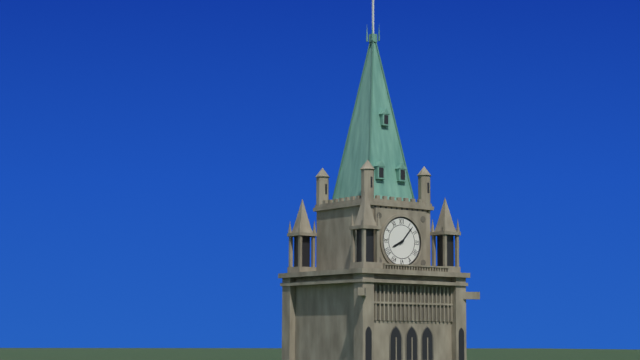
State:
8h07
